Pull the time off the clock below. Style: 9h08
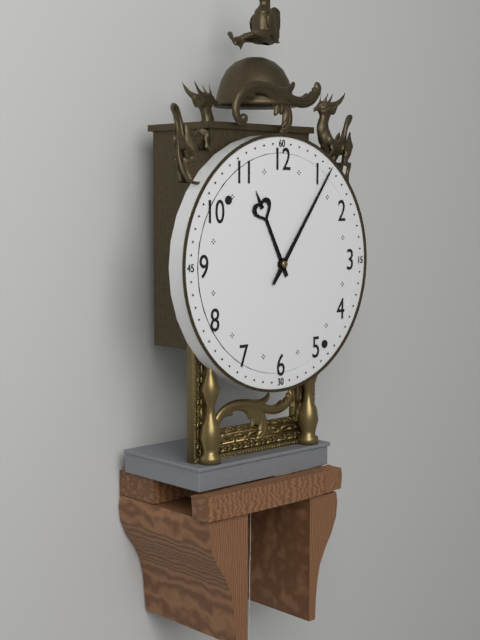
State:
11h06
